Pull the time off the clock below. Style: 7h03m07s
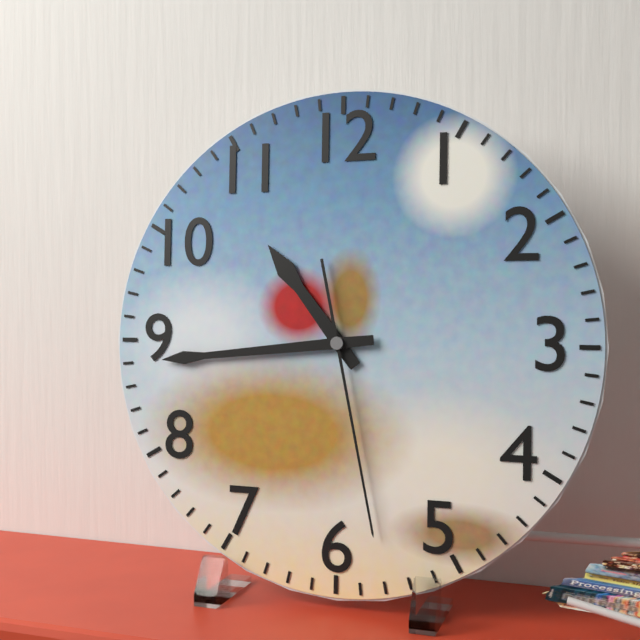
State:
10h44m28s
